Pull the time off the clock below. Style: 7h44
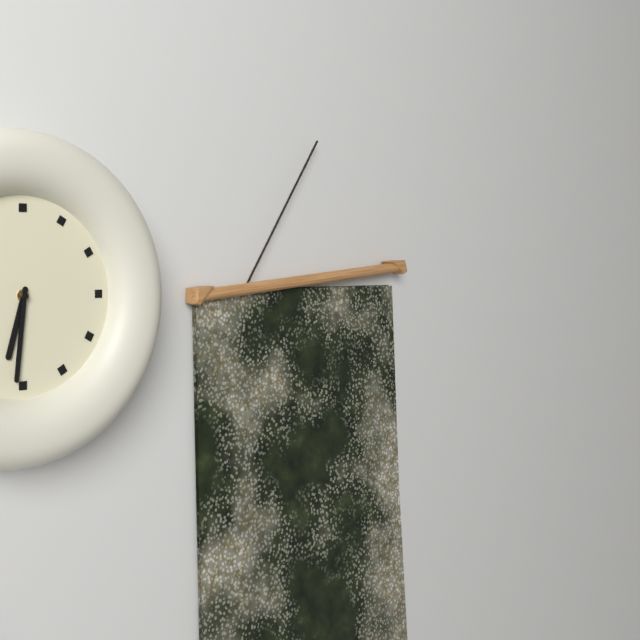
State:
6h31
